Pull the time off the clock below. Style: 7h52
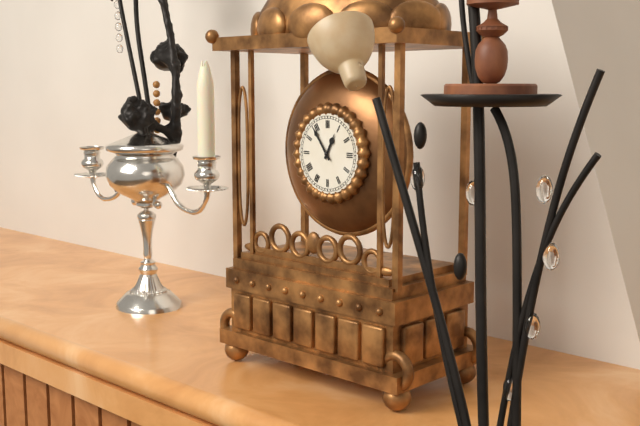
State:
12h54
